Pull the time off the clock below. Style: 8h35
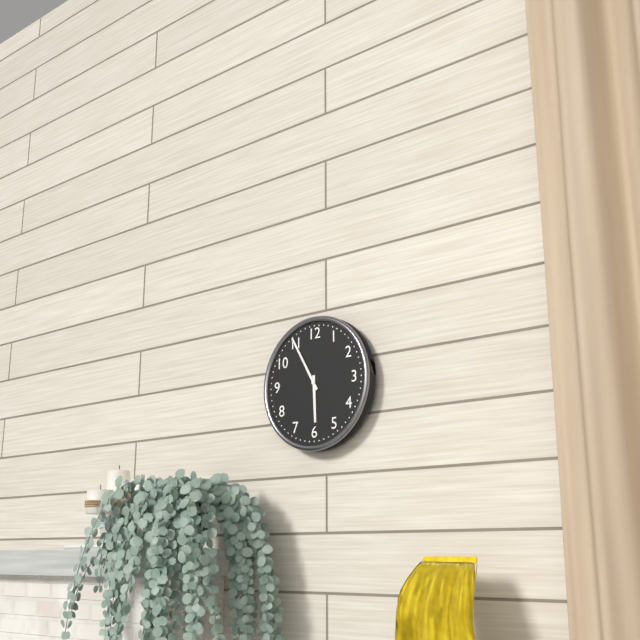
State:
5h55
